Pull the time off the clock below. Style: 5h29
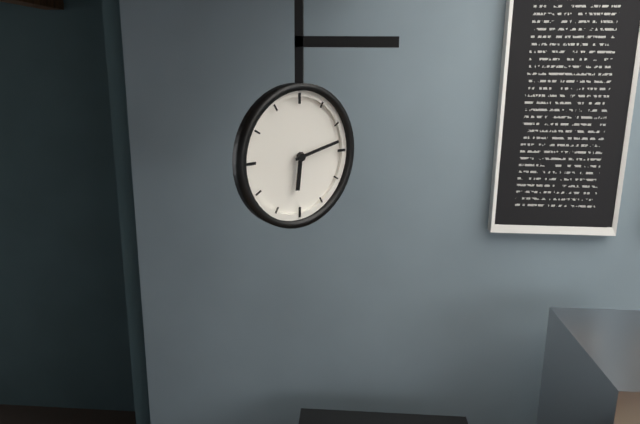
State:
6h13
